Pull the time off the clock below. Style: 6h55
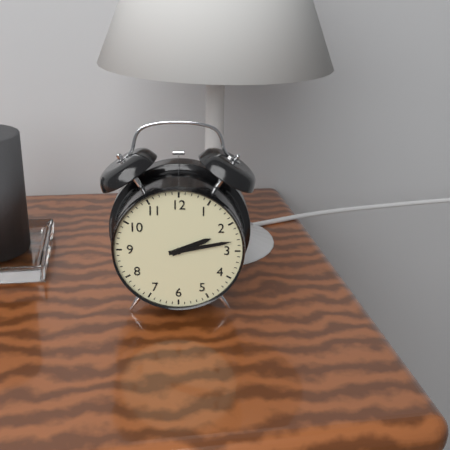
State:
2h13
